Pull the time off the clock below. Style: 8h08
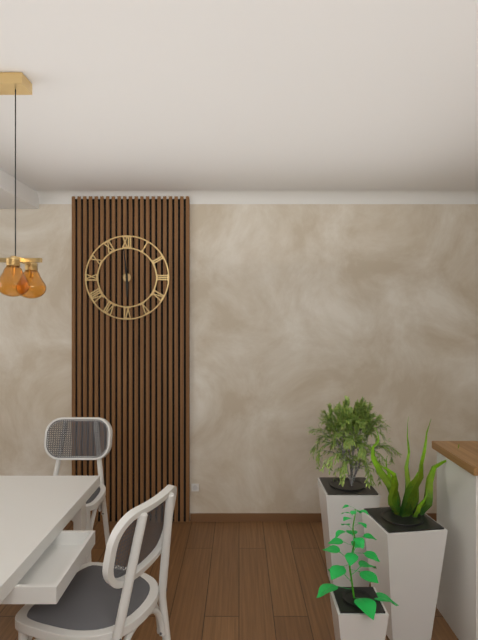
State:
5h59
